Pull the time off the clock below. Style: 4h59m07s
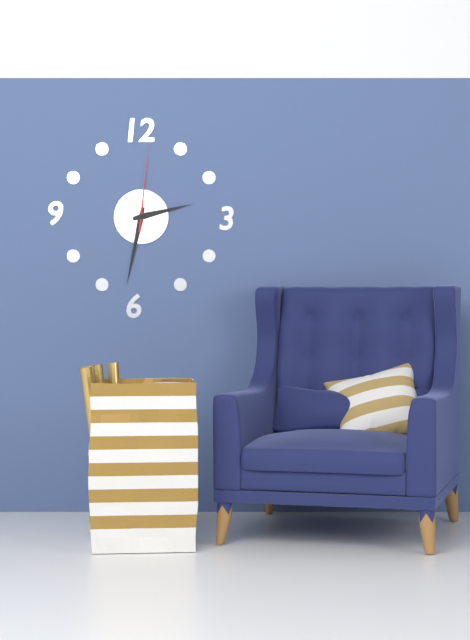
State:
2h32m01s
